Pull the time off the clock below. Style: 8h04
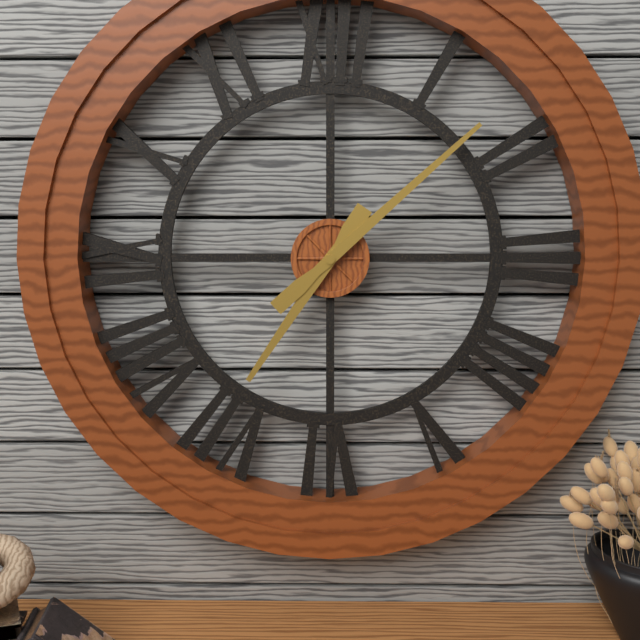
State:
7h08
